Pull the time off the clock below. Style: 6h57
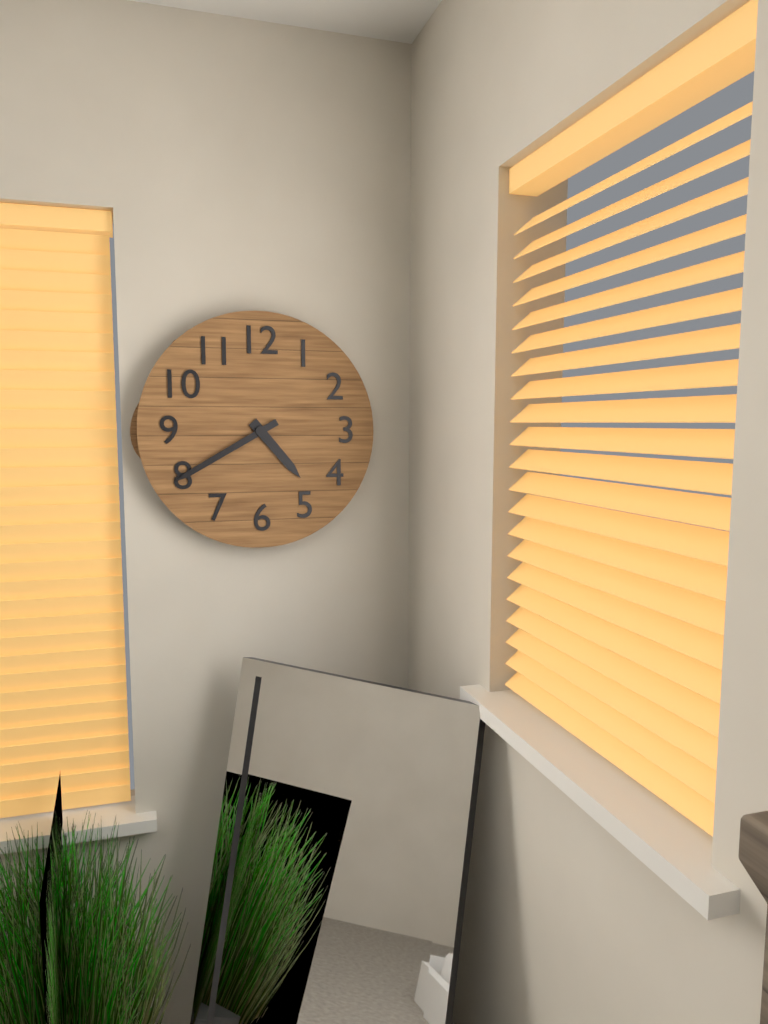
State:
4h40
